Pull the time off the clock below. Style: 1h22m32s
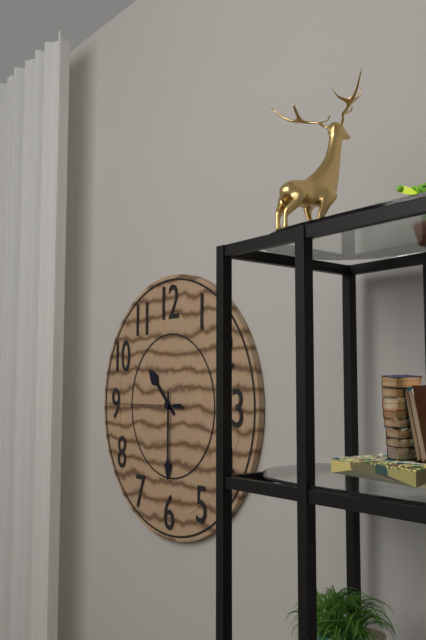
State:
10h30m45s
